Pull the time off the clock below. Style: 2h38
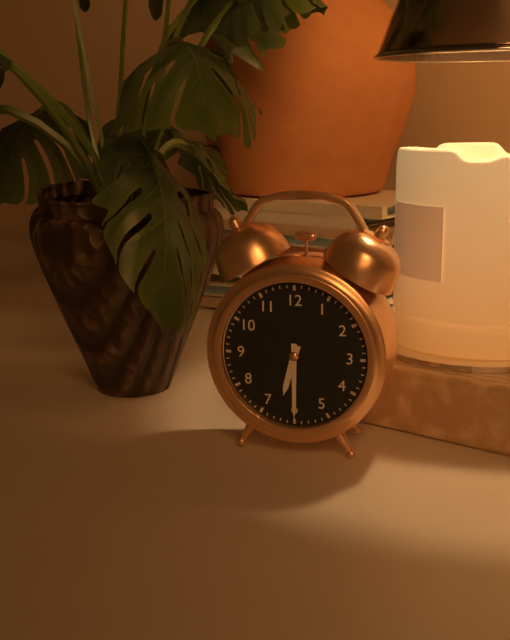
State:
6h30
